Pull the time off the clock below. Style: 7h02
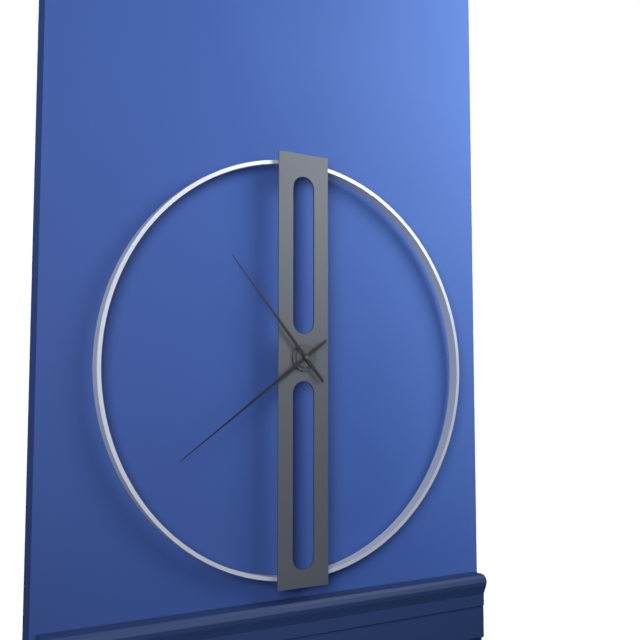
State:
10h39
